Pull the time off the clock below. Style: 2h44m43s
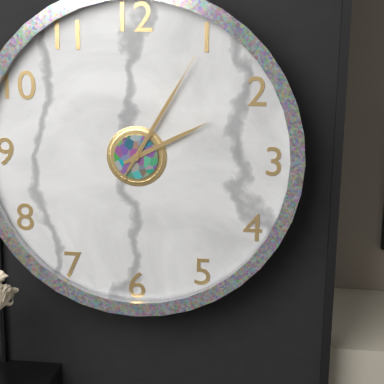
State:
2h05m05s
